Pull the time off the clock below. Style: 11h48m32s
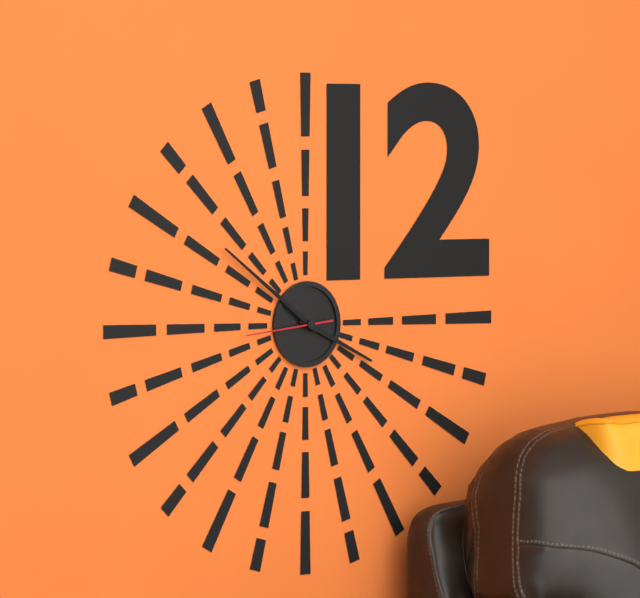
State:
3h51m44s
